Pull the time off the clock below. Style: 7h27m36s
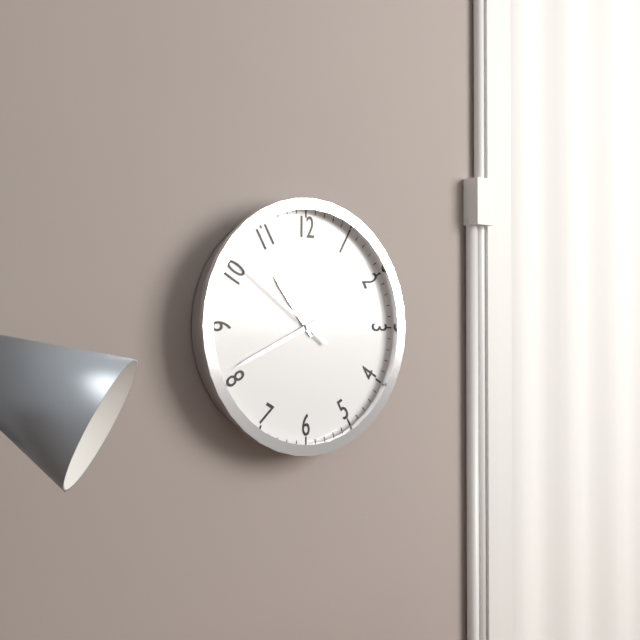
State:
10h41m51s
